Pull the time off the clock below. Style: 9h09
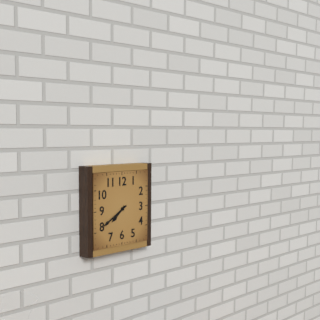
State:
7h40
